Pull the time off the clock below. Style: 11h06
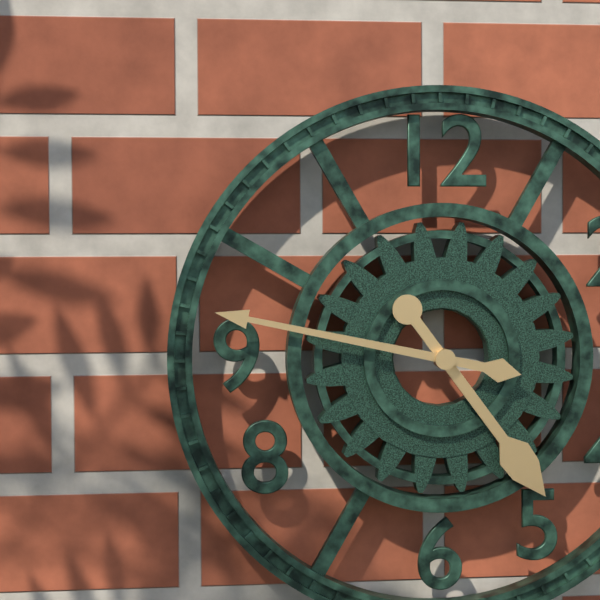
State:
4h47
